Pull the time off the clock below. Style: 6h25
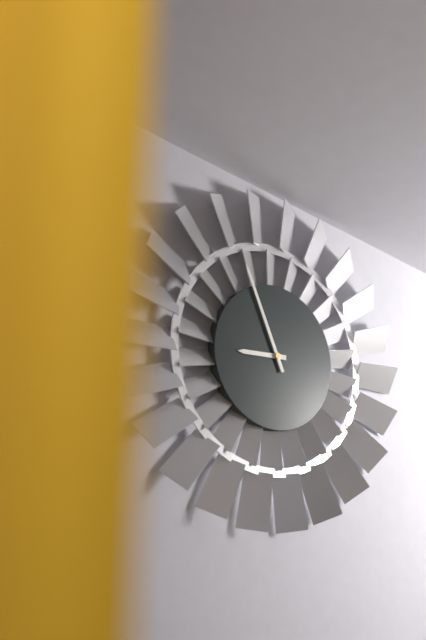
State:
8h56
